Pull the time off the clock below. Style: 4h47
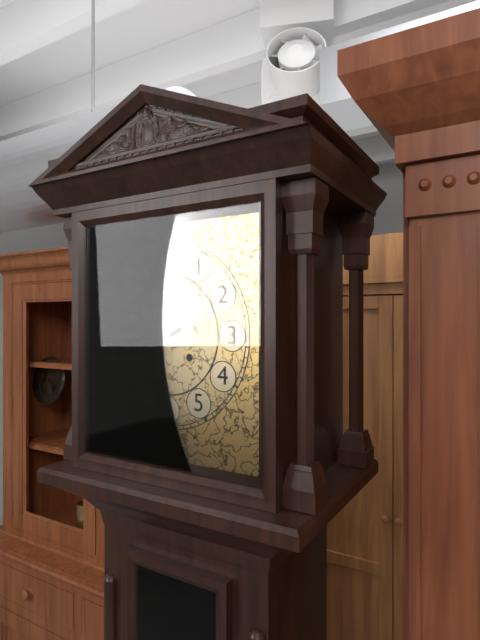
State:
8h41
